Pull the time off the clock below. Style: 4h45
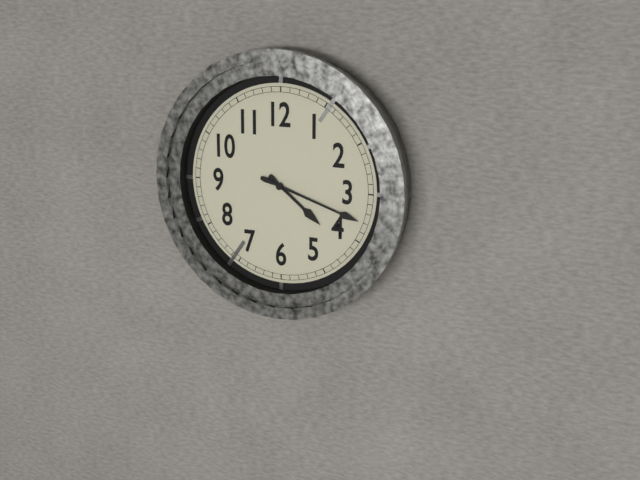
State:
4h18
